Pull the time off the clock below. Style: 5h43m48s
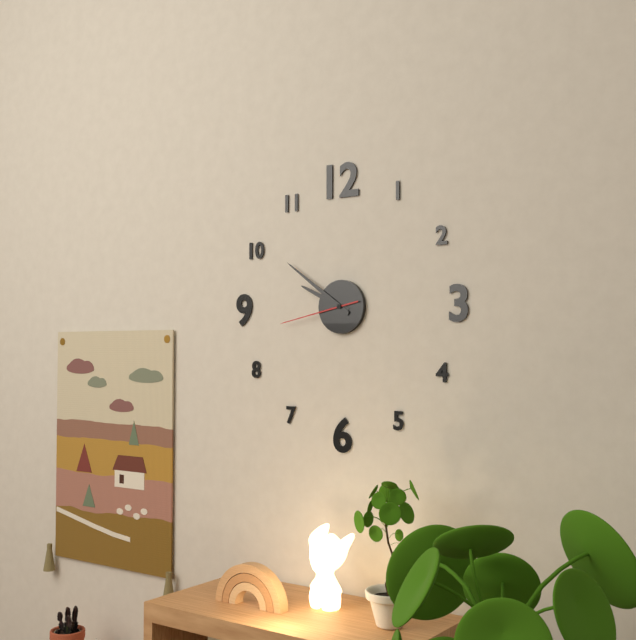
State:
9h51m43s
